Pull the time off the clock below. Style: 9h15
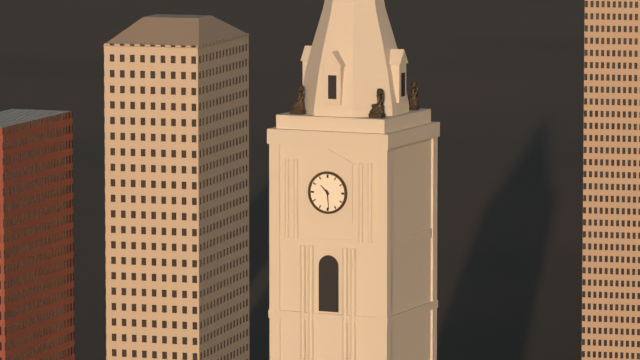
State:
10h29
